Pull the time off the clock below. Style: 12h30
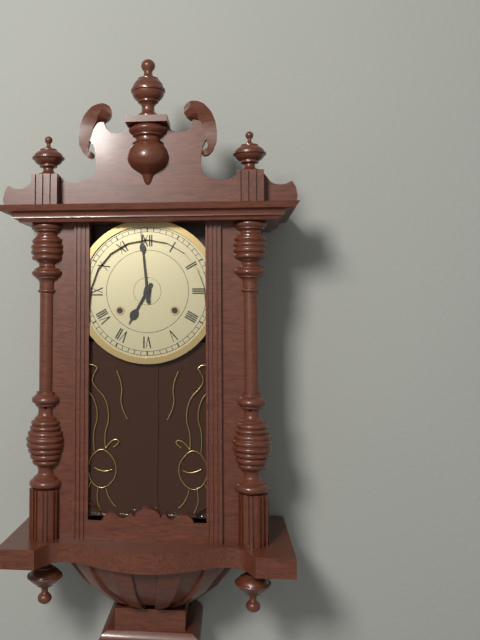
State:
6h59
